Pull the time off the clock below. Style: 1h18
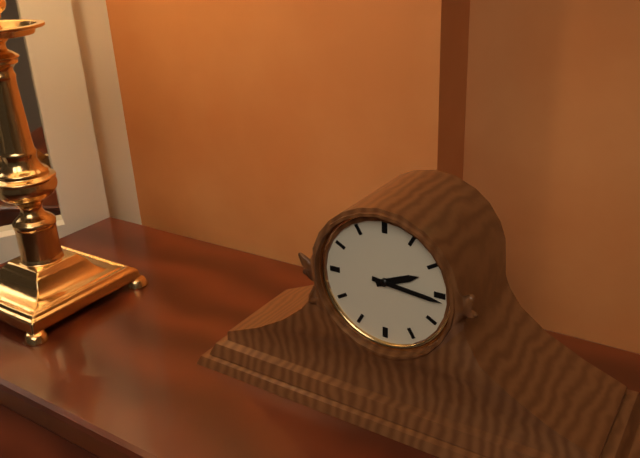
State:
2h16
